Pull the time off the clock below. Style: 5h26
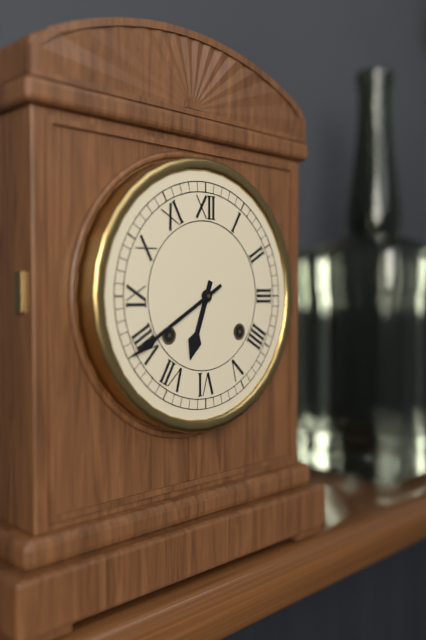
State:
6h40
